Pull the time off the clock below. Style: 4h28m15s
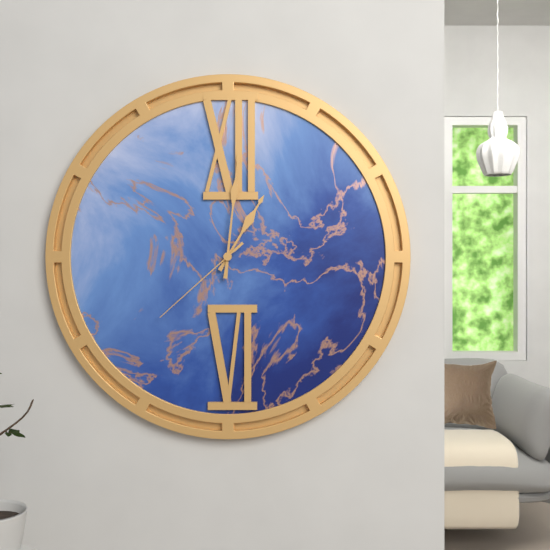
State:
1h01m38s
